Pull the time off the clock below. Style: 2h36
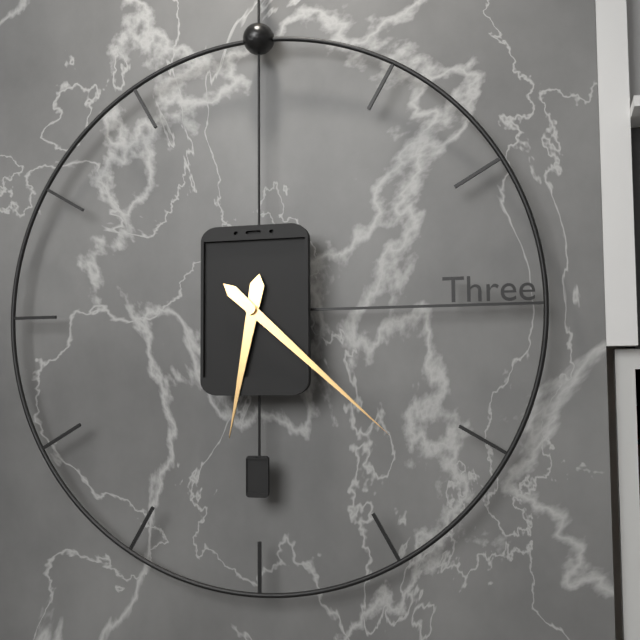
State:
6h22
